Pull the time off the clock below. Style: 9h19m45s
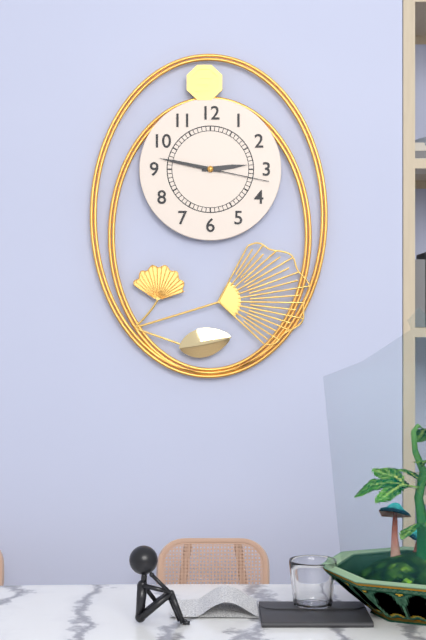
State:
2h47m17s
